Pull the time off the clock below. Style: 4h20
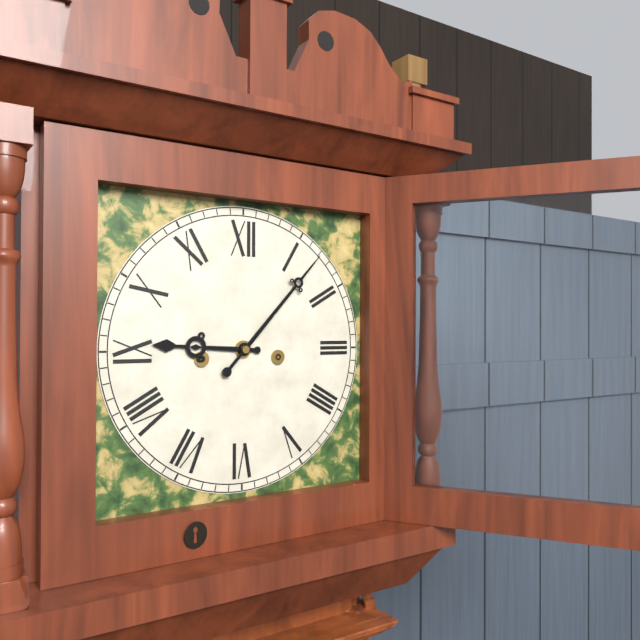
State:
9h07
